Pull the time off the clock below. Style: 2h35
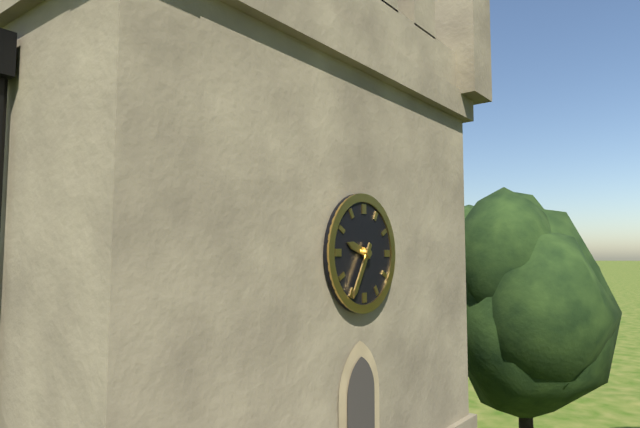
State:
9h35
